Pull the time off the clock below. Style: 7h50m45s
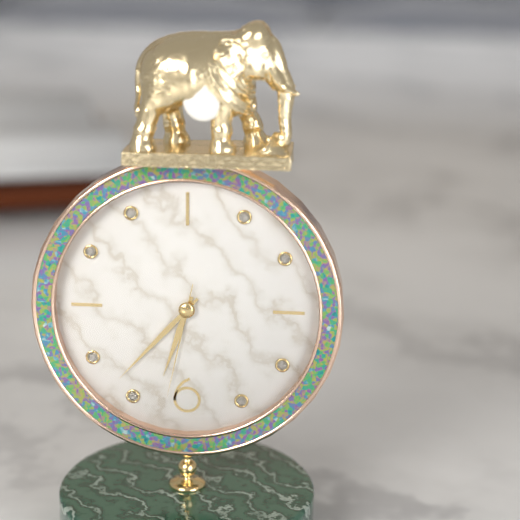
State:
6h37m32s
